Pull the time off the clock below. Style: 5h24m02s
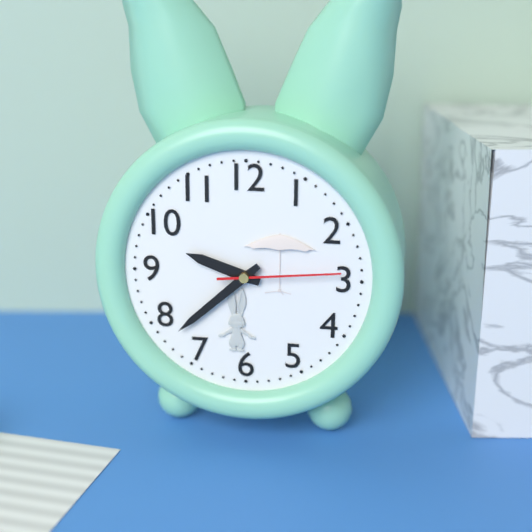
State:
9h38m14s
